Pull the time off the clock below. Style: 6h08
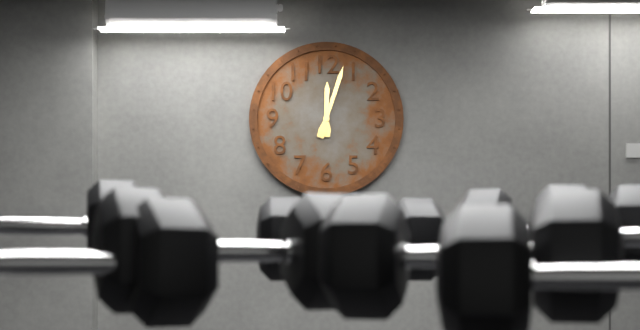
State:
12h03
